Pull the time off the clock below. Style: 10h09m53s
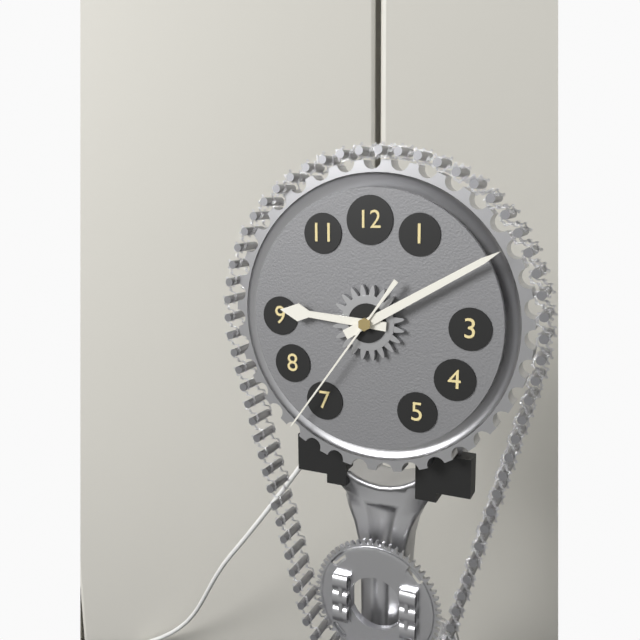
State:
9h10m36s
